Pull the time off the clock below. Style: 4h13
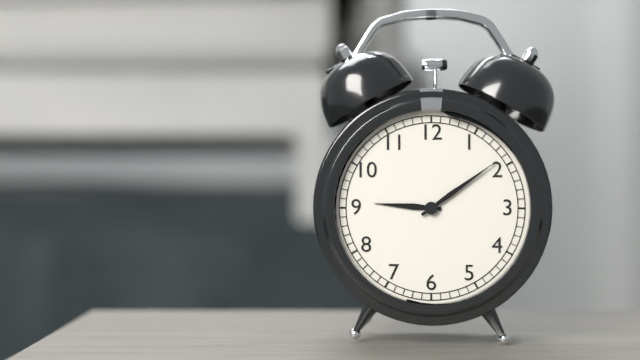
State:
9h09
